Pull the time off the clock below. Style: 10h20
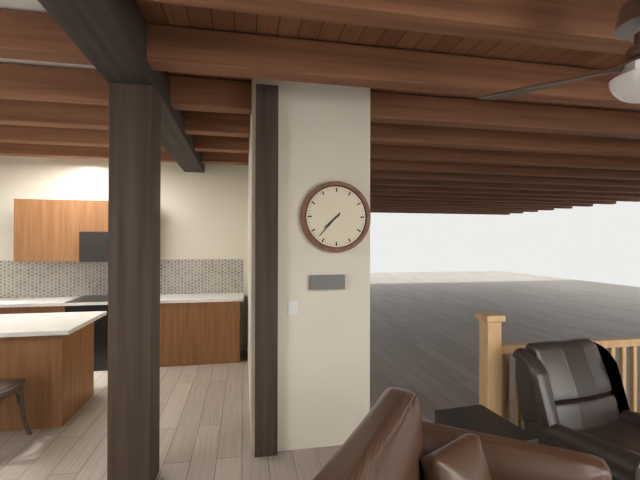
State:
7h37
